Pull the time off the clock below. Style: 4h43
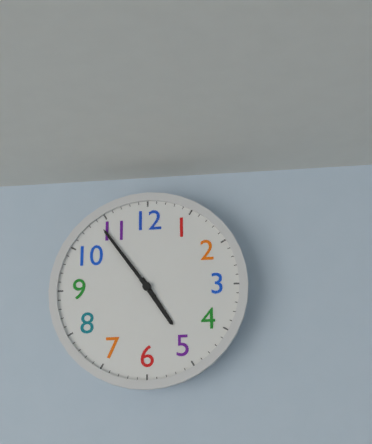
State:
4h54
